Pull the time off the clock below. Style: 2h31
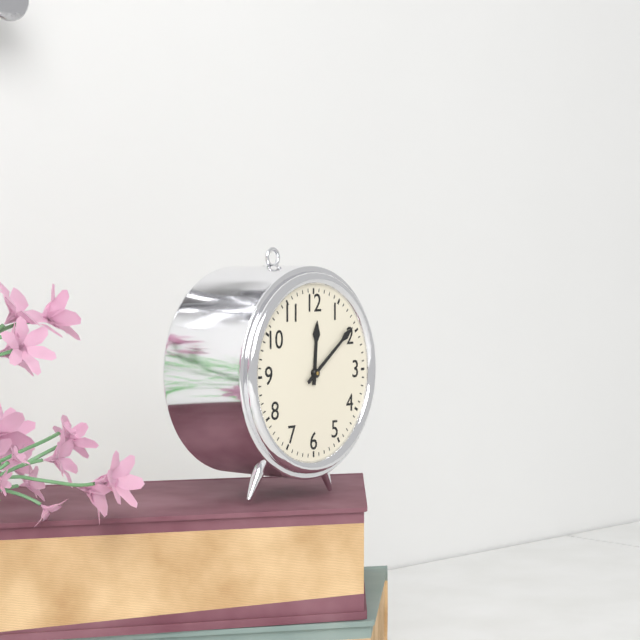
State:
12h09
